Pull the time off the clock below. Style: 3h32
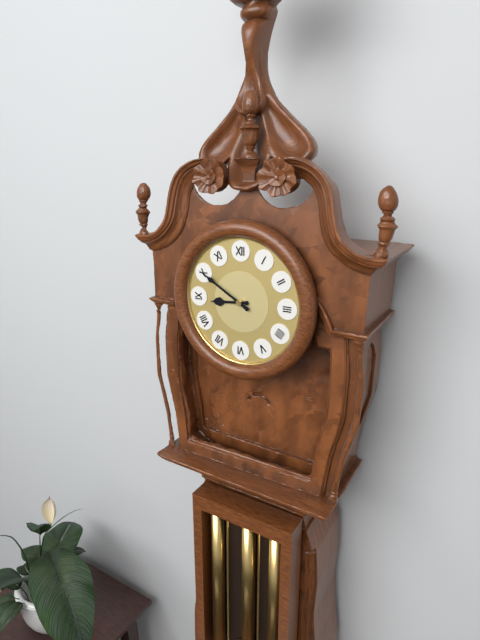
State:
8h50
